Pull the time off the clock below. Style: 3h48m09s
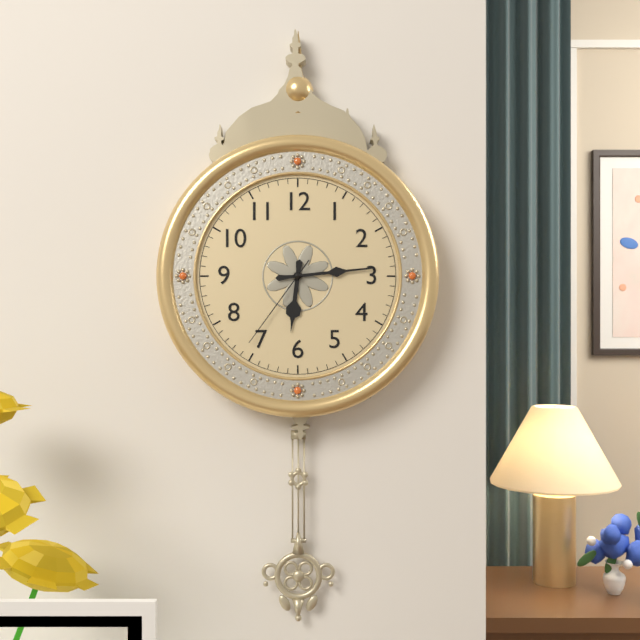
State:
6h14m36s
